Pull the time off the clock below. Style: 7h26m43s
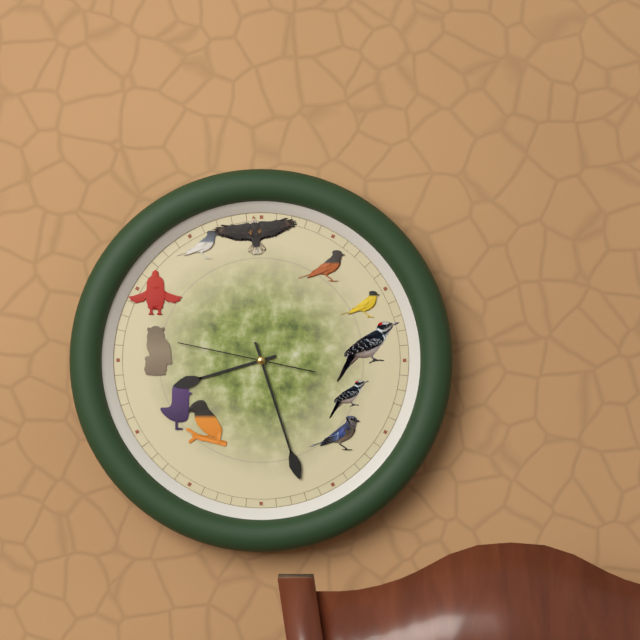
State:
8h27m47s
